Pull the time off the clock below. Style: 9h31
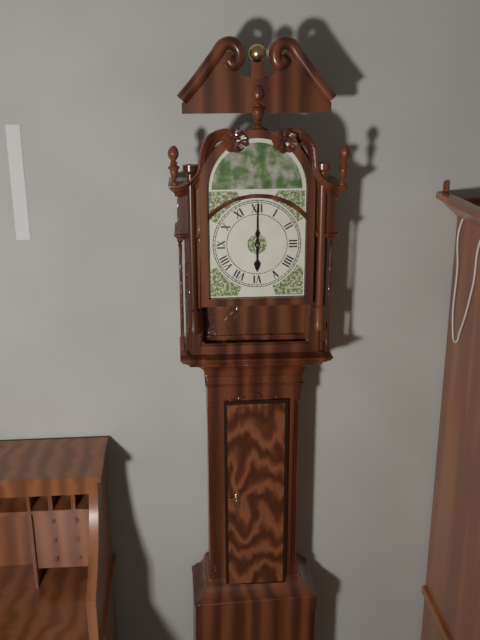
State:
6h00
